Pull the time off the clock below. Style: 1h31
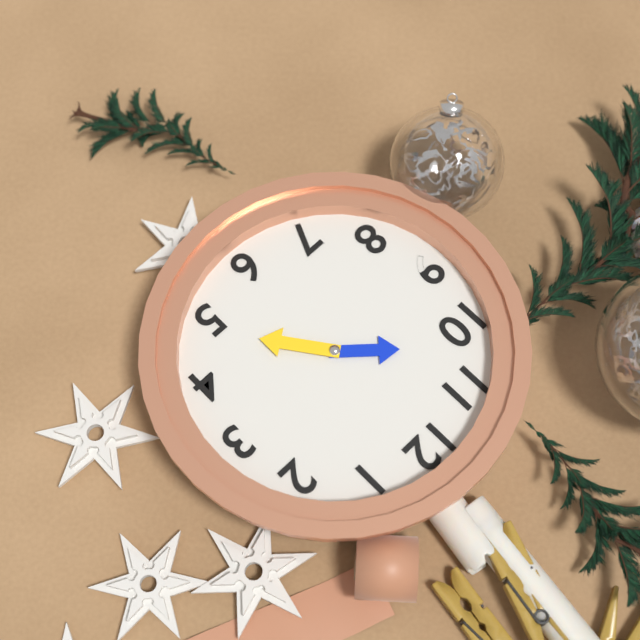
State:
10h24
